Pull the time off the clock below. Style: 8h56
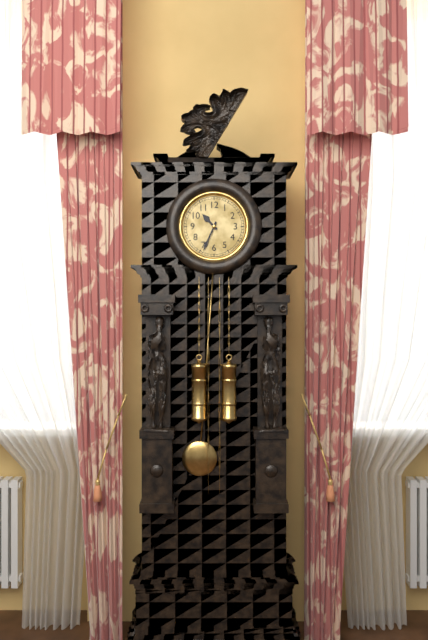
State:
10h34
